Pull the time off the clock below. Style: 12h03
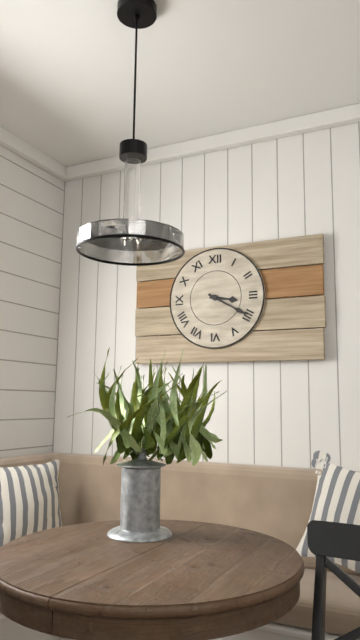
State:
3h20
